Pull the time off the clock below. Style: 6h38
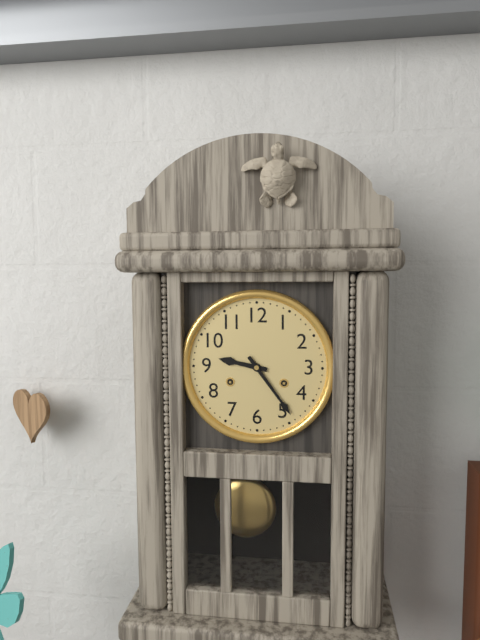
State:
9h24
